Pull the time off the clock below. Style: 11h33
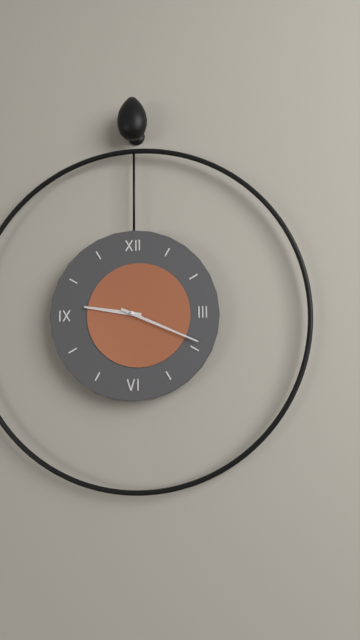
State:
9h19
